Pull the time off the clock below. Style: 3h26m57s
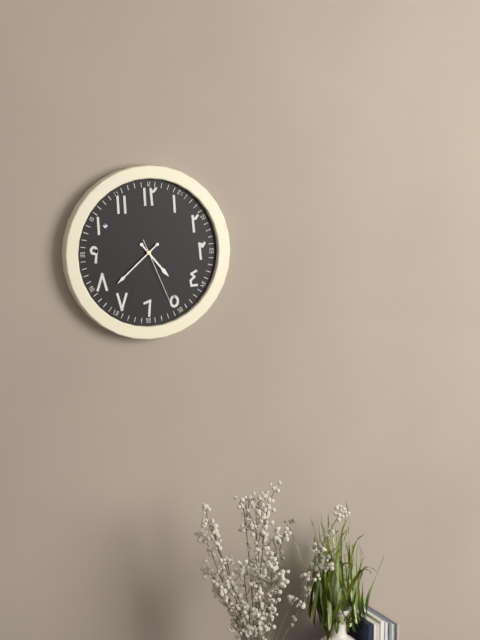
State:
4h38m26s
